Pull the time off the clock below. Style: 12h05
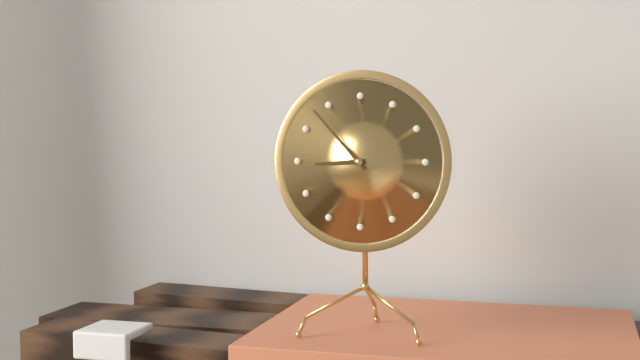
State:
8h53
